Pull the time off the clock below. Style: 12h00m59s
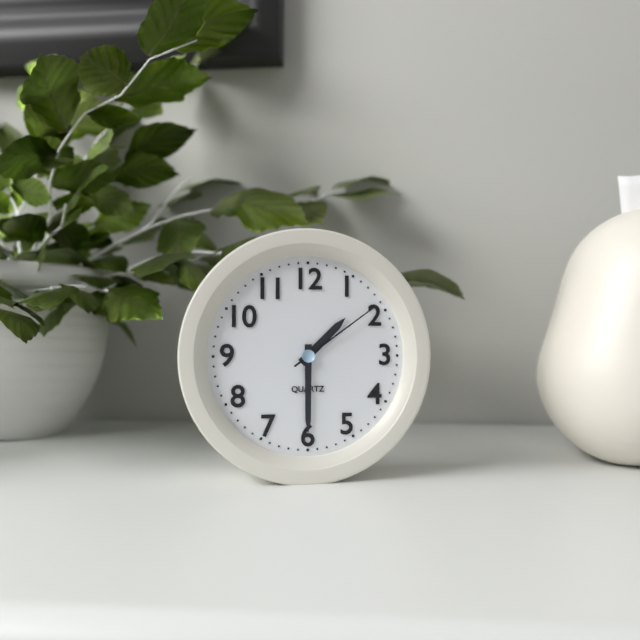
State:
1h30m09s
